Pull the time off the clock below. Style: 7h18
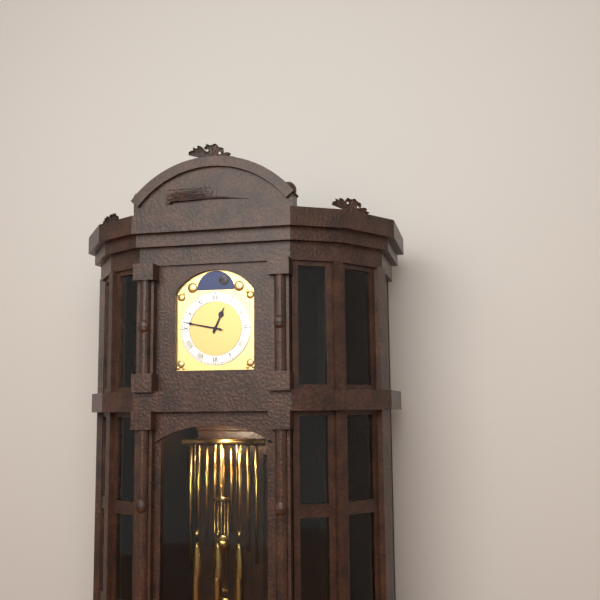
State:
12h47
